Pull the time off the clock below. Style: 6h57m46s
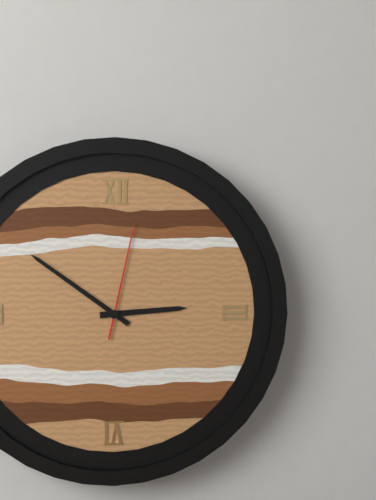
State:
2h51m02s
